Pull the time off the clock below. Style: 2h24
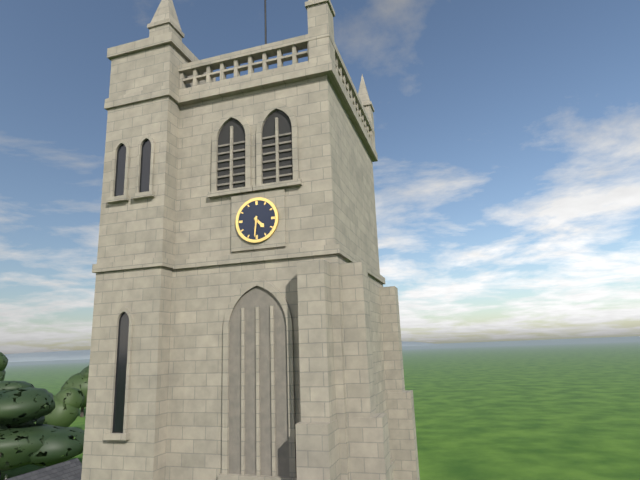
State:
4h31
